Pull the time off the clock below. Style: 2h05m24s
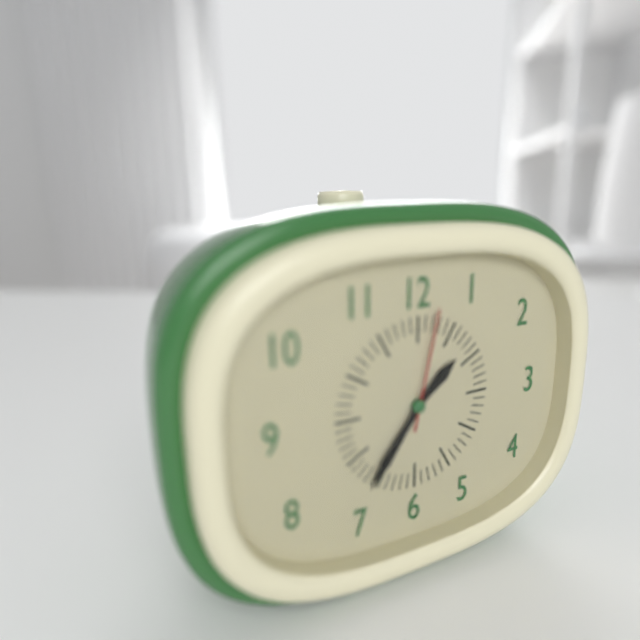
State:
1h36m02s
